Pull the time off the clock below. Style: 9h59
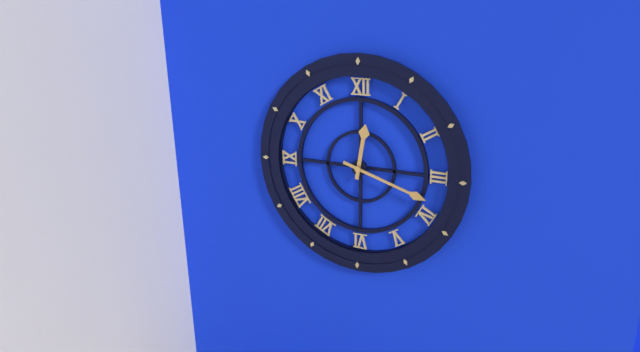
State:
12h18
